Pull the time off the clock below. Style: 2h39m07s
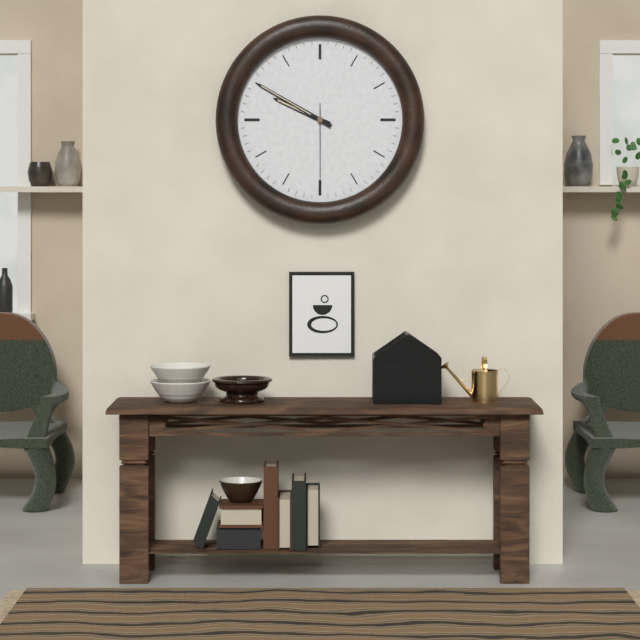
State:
9h50m30s
